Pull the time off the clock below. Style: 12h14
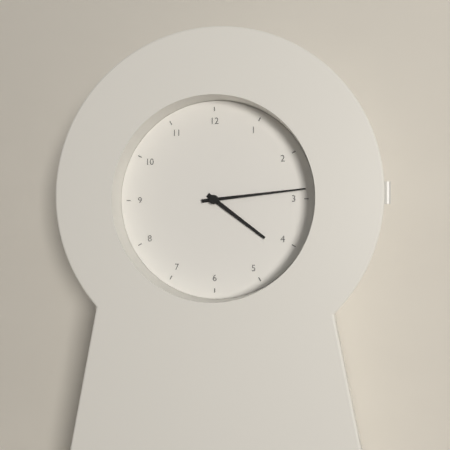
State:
4h14
